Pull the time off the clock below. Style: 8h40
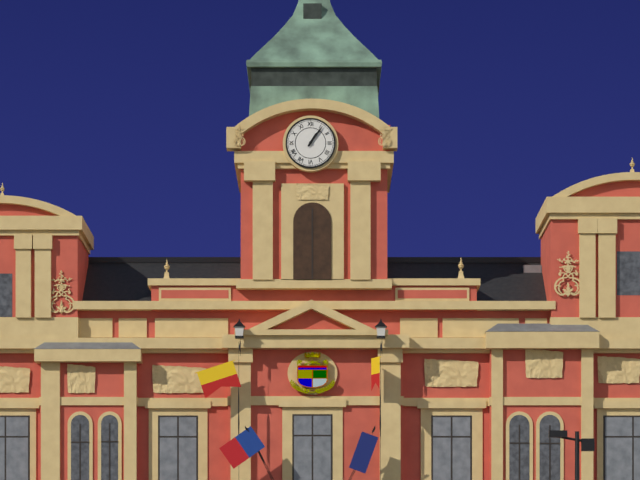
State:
1h06
